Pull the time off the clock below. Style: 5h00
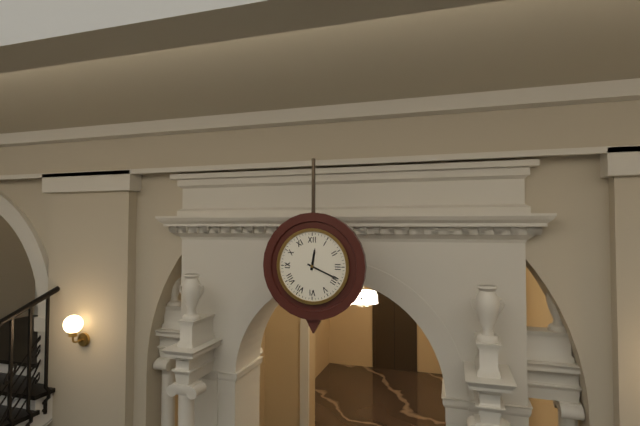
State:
12h19
